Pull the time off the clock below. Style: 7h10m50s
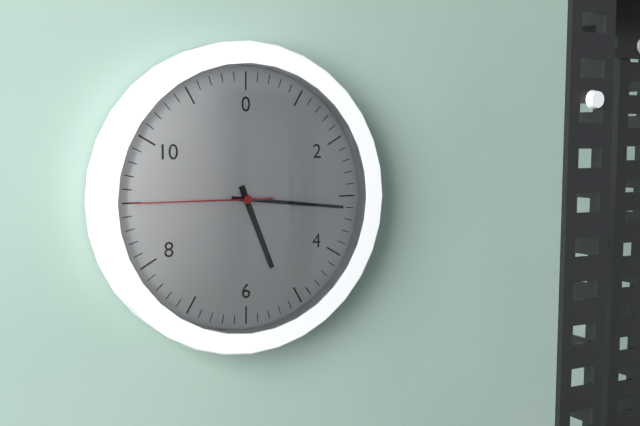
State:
5h16m45s
